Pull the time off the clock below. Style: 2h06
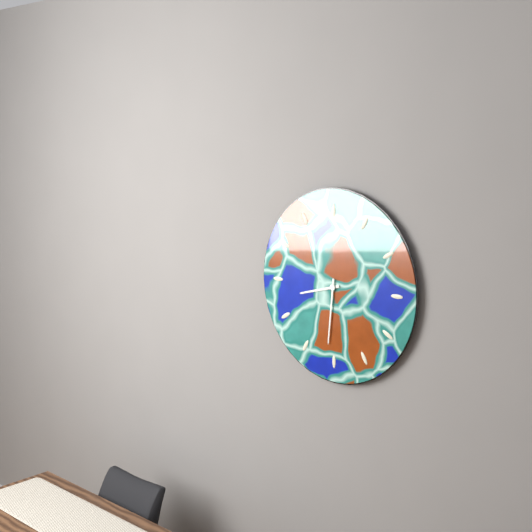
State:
8h31
